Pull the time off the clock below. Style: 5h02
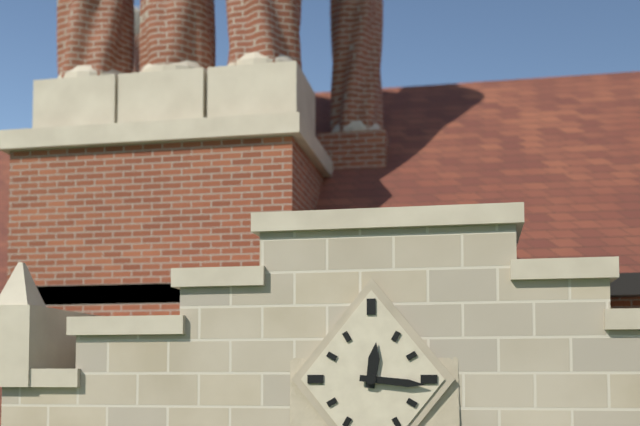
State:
12h16
